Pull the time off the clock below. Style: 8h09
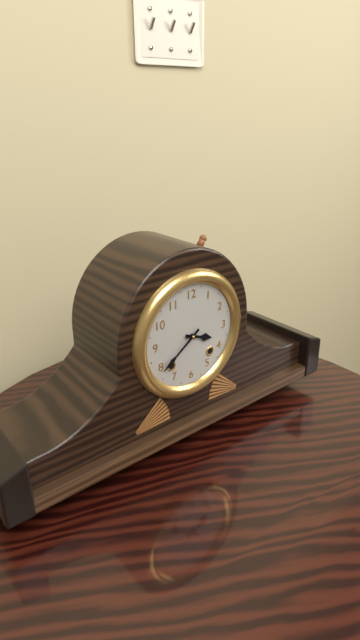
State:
3h39
